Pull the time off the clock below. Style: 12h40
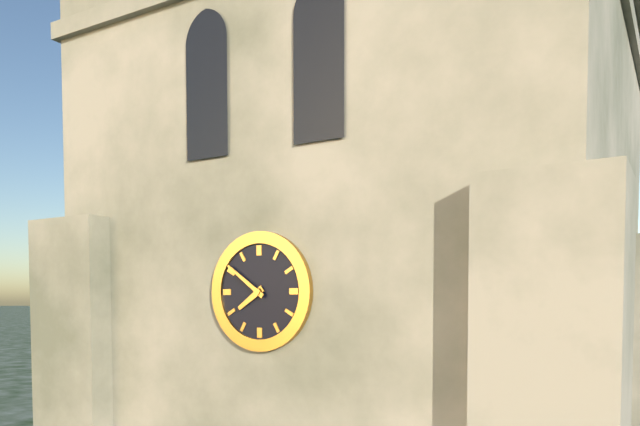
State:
7h51
